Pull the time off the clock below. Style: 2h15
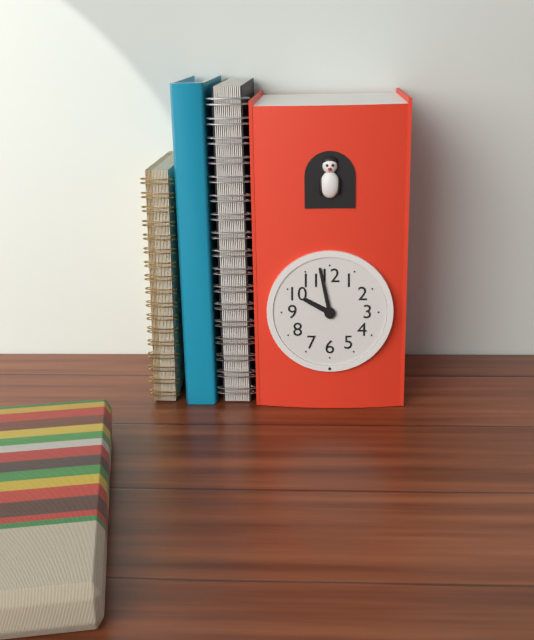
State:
9h58
